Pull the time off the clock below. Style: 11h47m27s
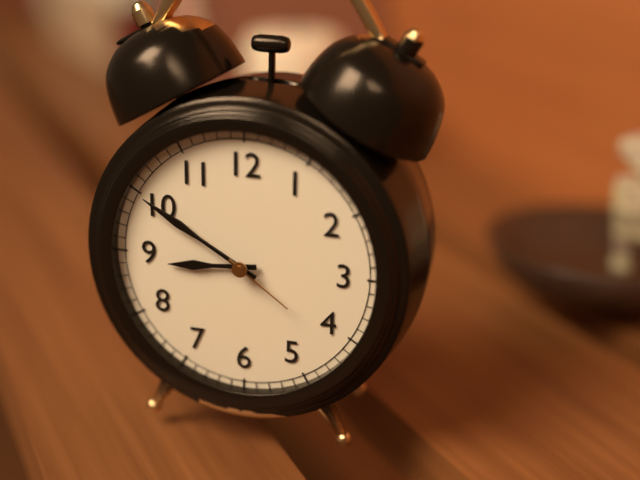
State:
8h50m21s
